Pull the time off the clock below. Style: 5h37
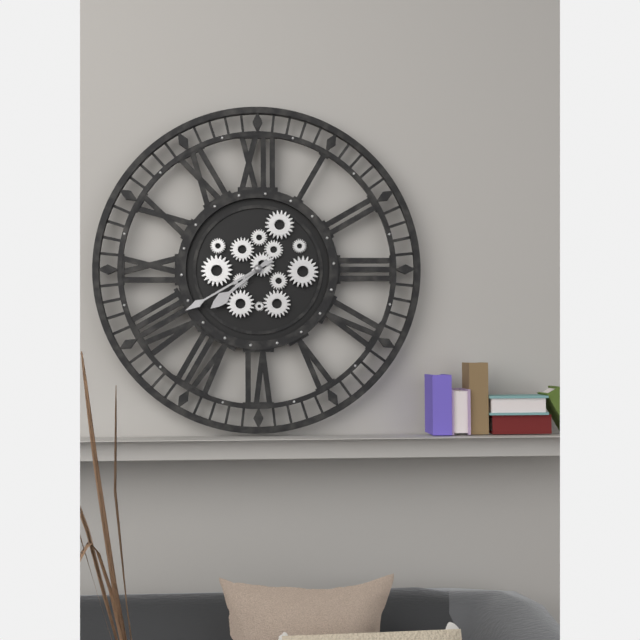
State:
7h40
